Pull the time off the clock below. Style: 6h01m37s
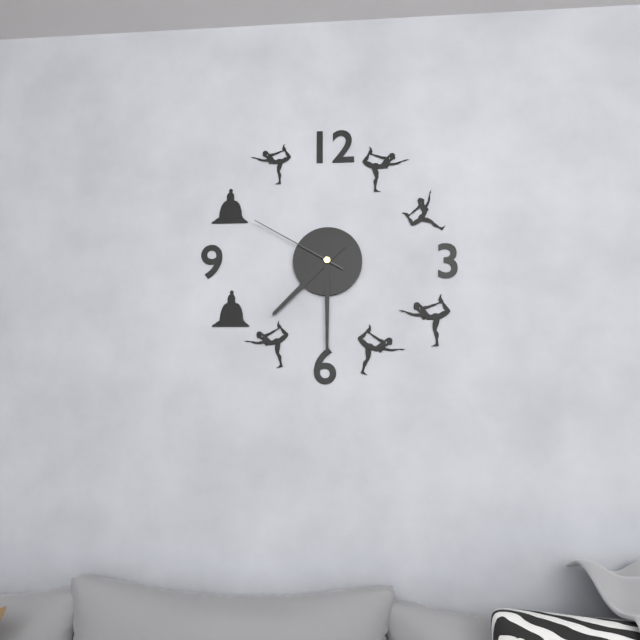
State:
7h30m50s
